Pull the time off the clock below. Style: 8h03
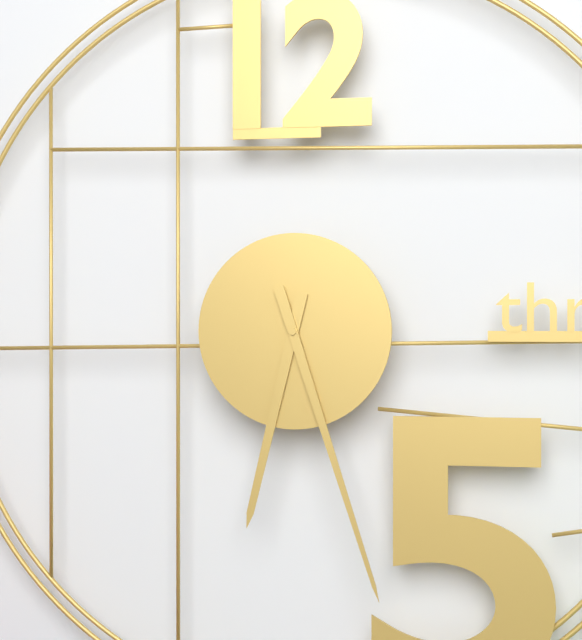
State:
6h27
